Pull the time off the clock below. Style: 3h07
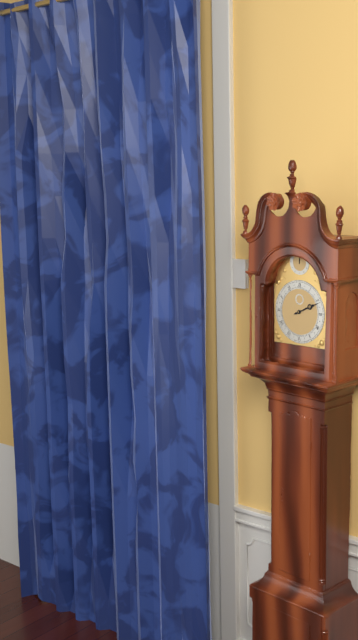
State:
2h11
